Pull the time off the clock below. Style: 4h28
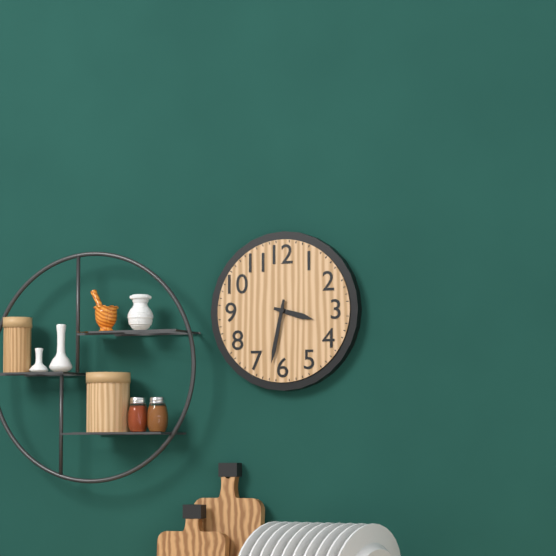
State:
3h32
